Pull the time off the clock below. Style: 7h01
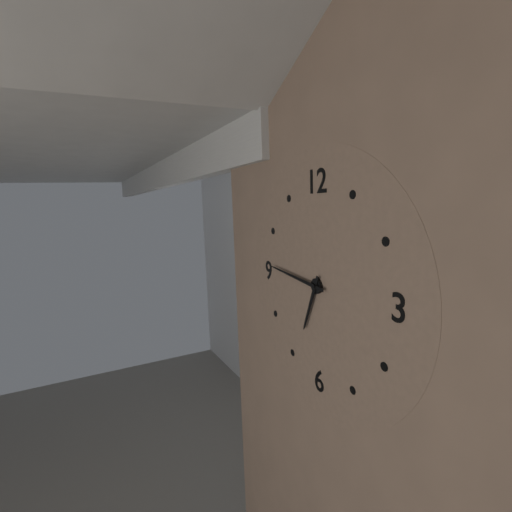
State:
6h46
